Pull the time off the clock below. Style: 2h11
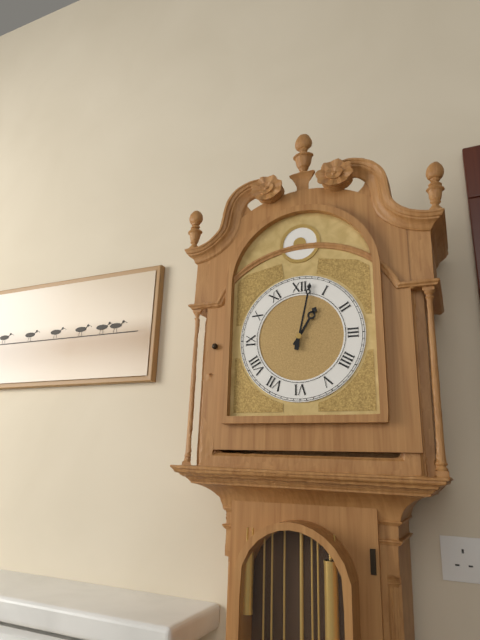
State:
1h02
